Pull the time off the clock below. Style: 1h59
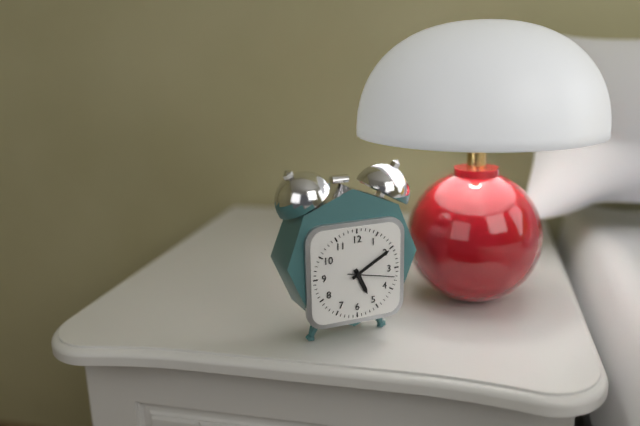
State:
5h10
